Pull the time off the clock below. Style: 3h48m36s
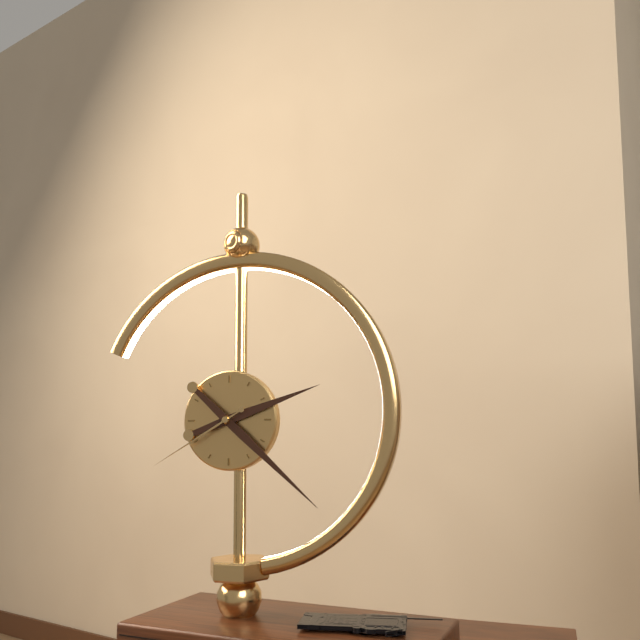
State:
2h22m40s
